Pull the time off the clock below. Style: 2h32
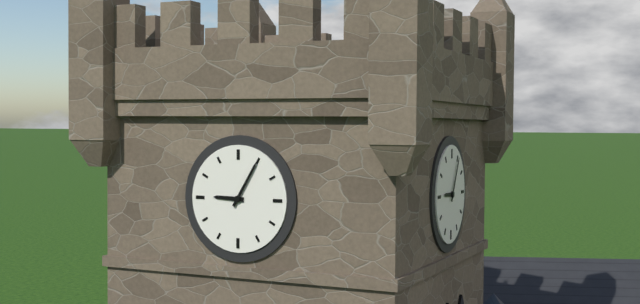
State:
9h05
